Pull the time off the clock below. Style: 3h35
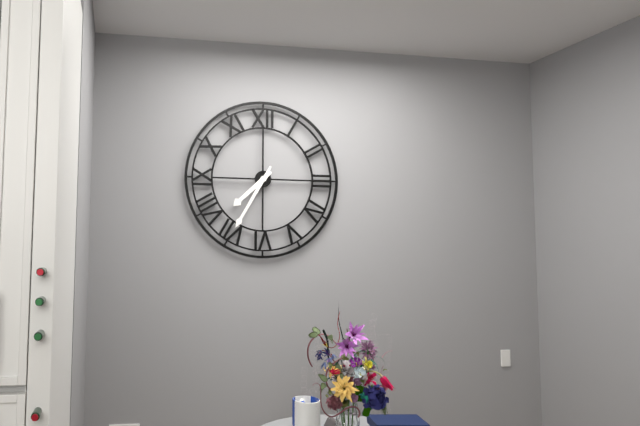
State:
7h35
